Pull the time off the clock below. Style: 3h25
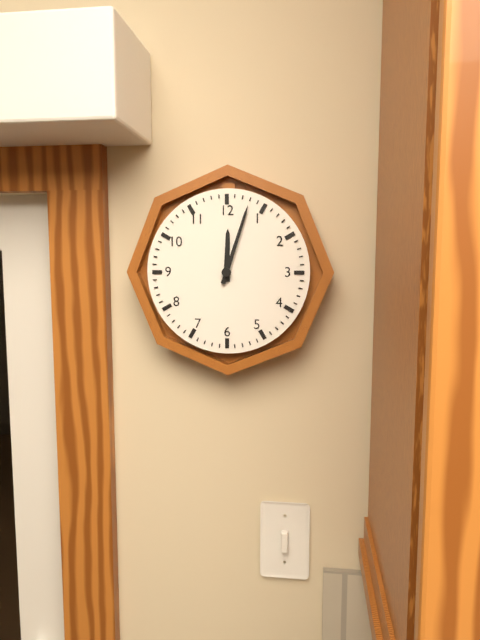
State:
12h03
